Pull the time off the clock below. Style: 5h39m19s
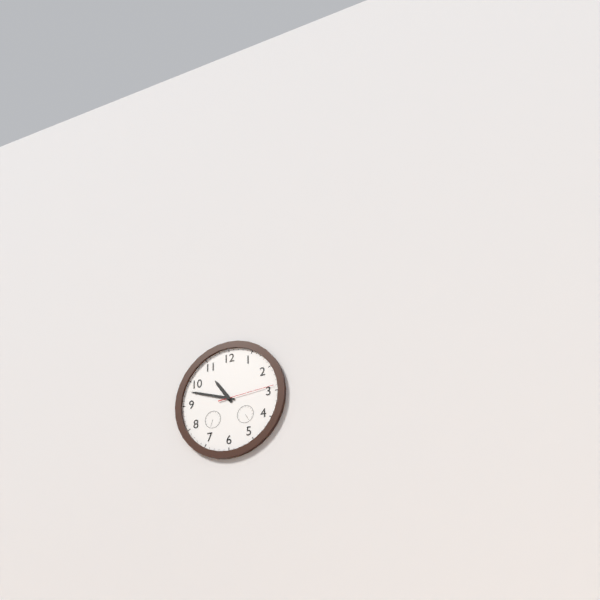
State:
10h48m14s
